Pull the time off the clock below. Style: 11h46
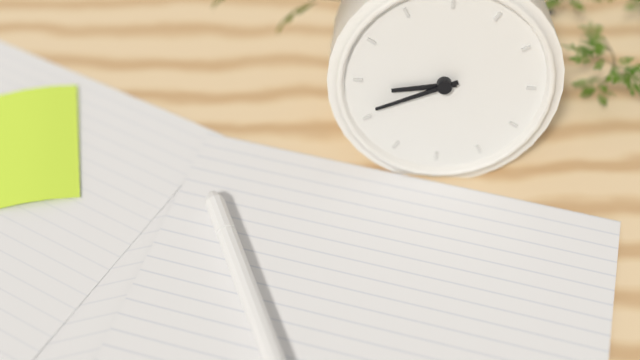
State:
8h41
